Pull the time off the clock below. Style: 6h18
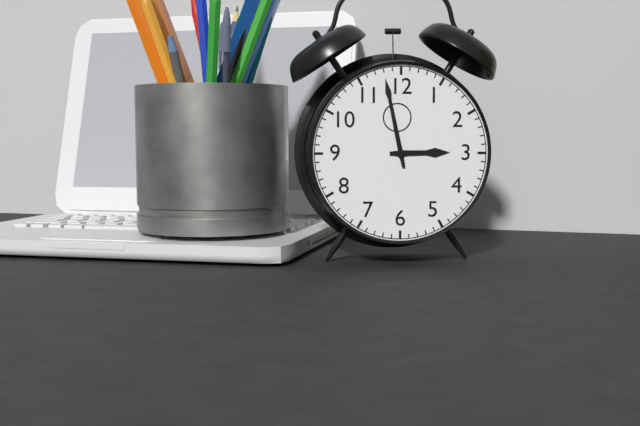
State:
2h58
